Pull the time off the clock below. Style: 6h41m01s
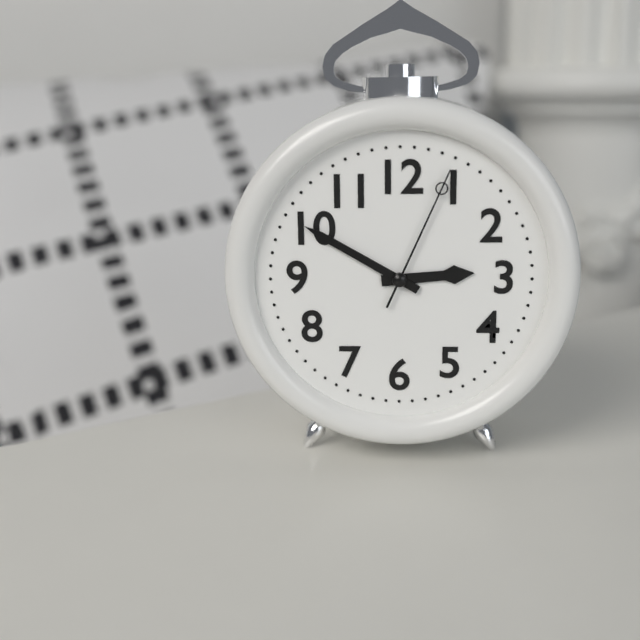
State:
2h50m04s
